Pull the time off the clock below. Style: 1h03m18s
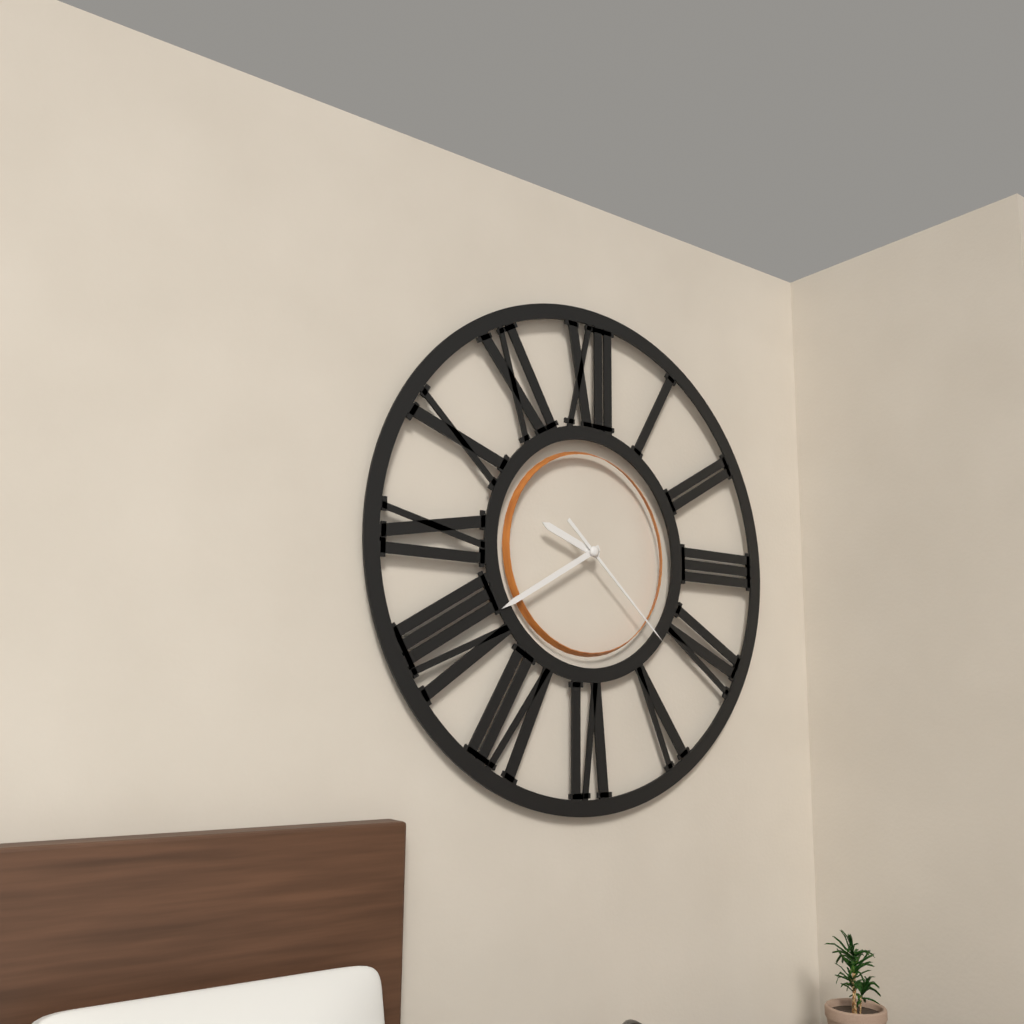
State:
9h40m22s
